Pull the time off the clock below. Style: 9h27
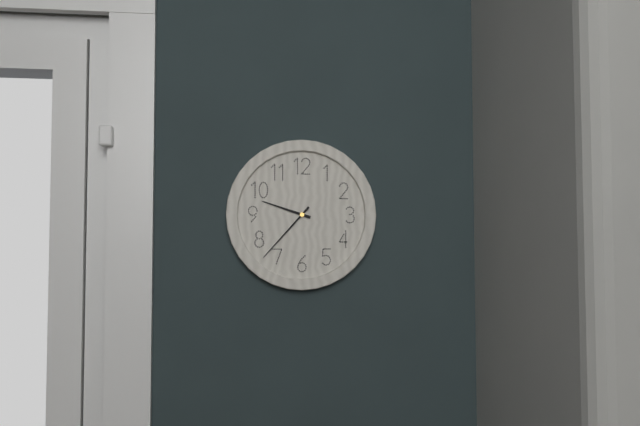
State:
9h37
